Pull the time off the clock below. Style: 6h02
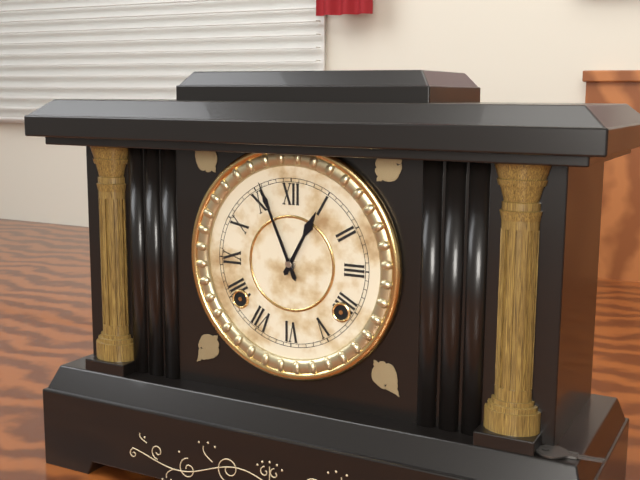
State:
12h56
